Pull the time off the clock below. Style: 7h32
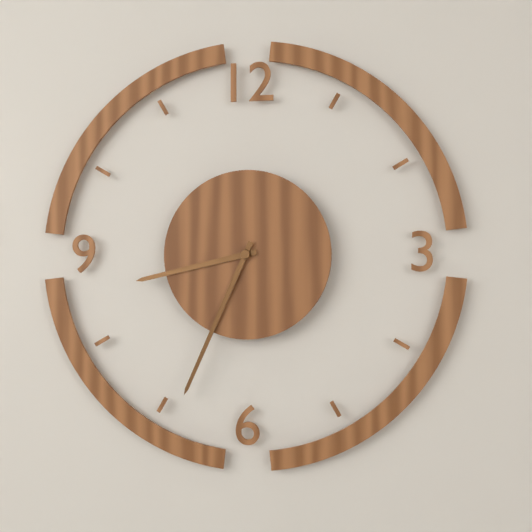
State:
8h34
